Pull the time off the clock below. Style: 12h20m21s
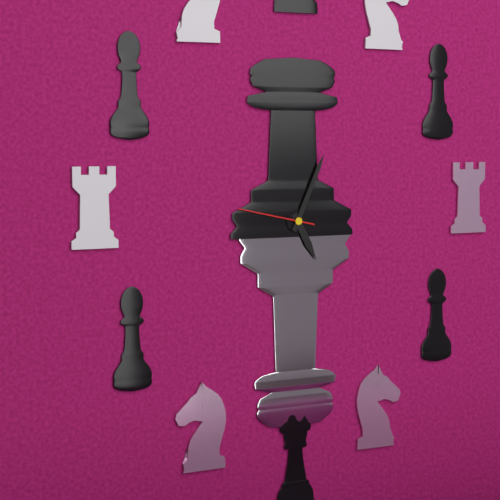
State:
5h04m47s
